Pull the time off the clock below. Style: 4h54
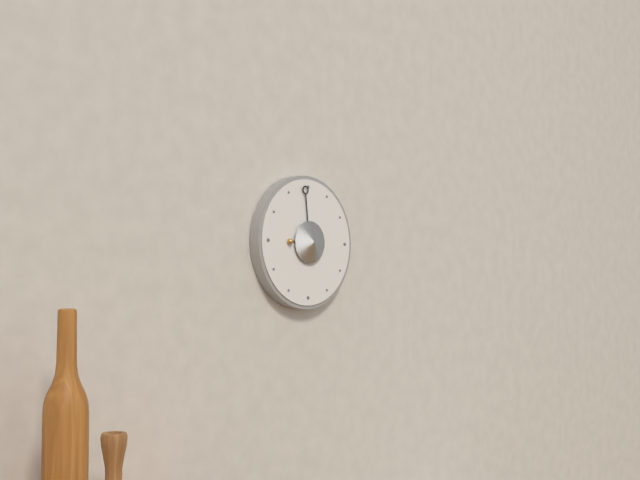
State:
8h59
